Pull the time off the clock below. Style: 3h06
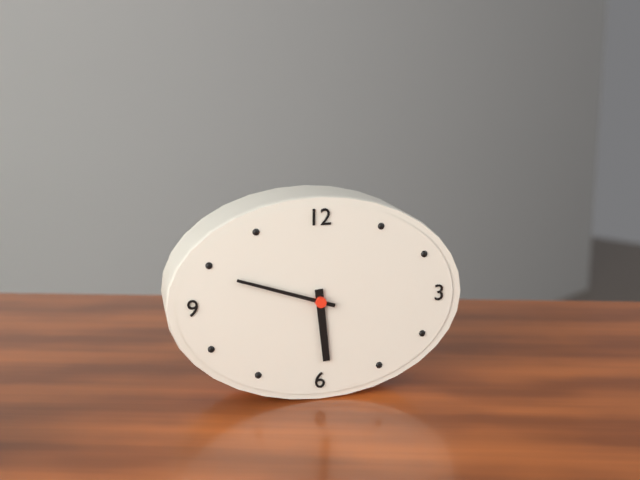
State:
5h48
